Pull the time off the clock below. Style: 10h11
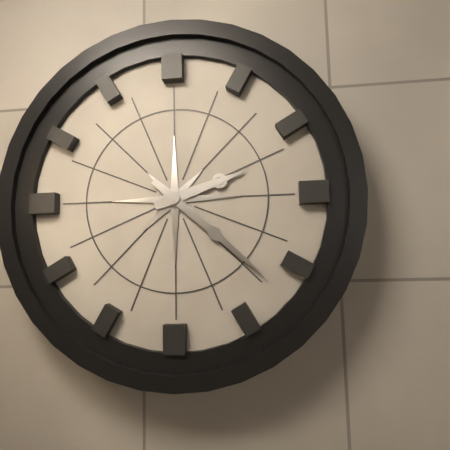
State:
2h22
